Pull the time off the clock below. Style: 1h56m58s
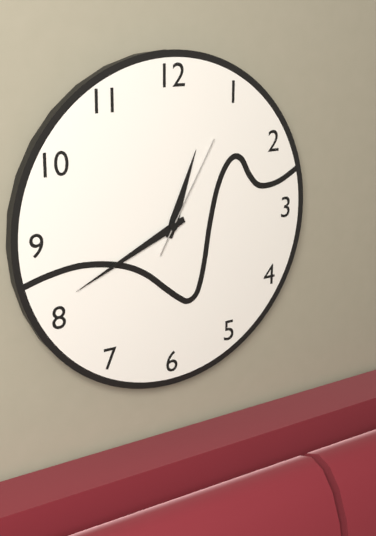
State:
12h41m05s
